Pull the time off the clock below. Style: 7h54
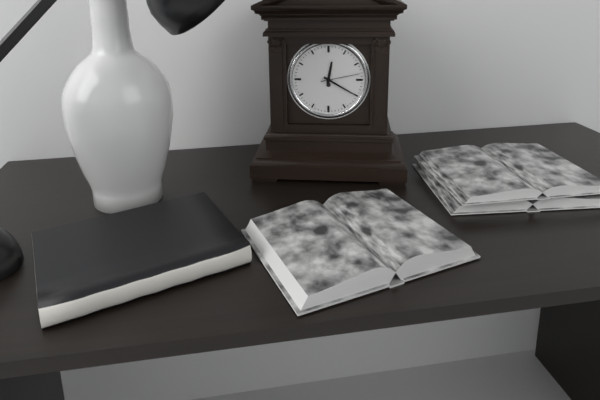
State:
12h20
